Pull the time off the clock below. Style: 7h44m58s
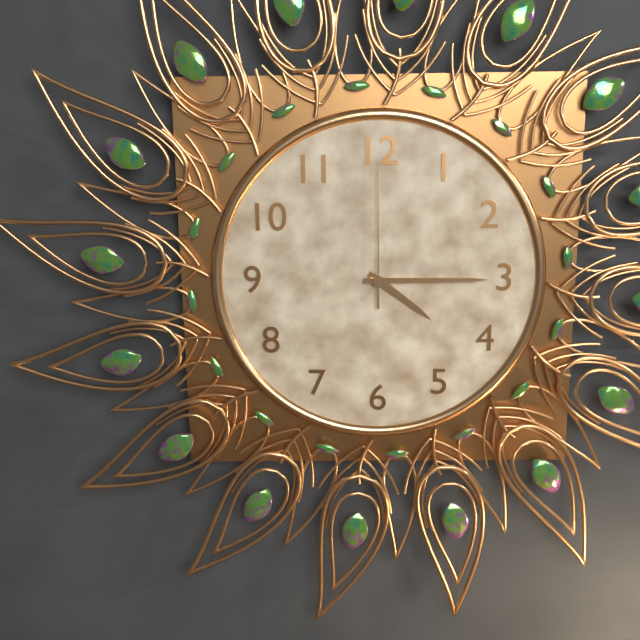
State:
4h15m00s
